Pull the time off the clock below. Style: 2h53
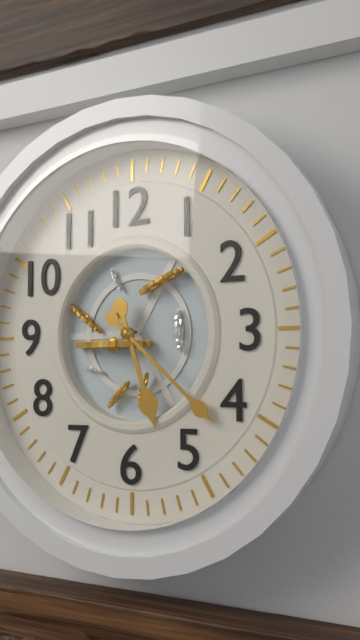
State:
5h22
